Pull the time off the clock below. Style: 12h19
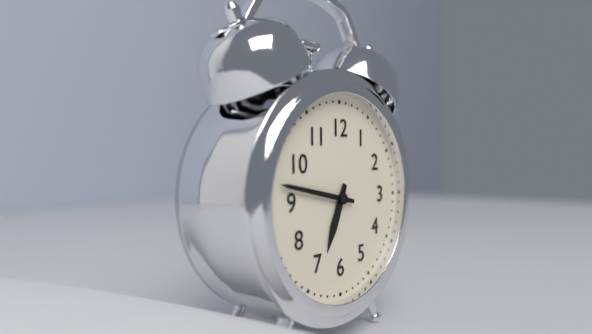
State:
6h47
